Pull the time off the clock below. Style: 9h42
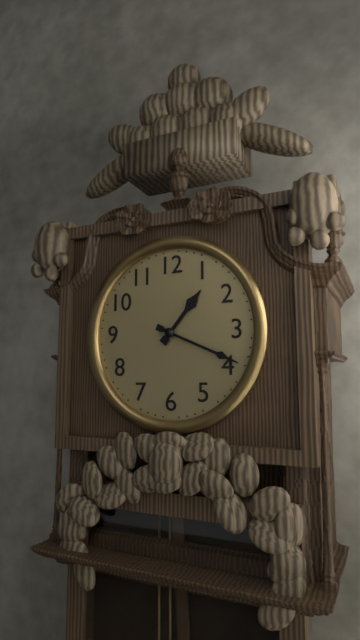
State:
1h19
